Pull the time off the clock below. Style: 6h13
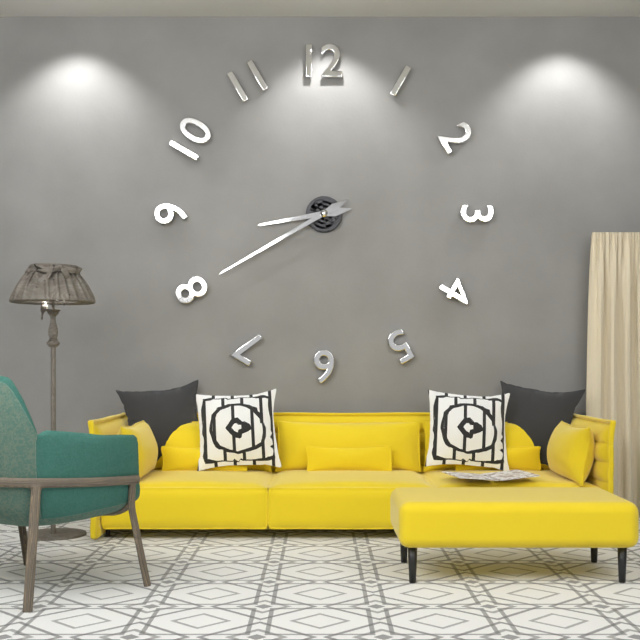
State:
8h40
